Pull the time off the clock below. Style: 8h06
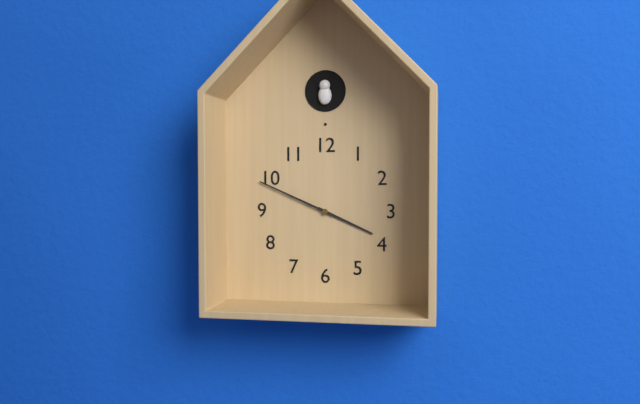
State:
3h49
